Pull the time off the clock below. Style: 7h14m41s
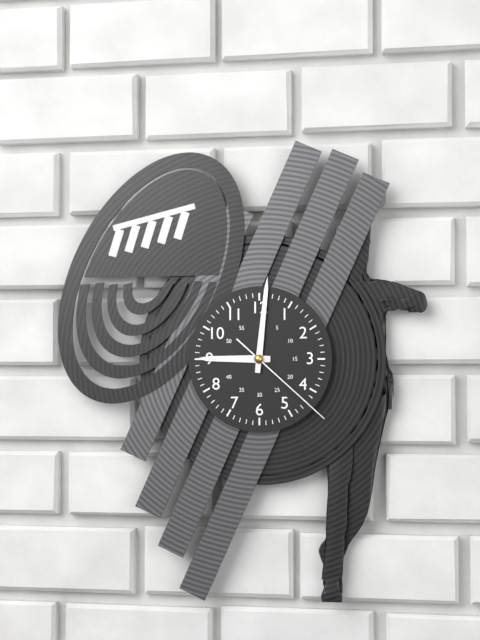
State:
9h01m22s
